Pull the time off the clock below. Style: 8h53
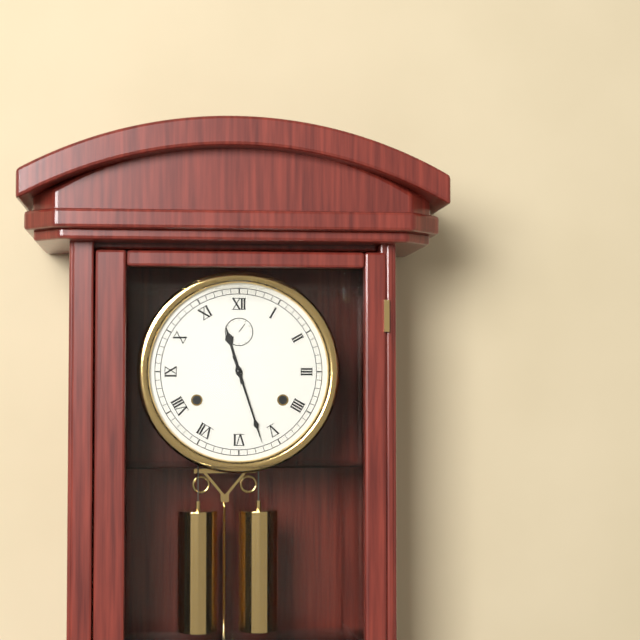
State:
11h27
